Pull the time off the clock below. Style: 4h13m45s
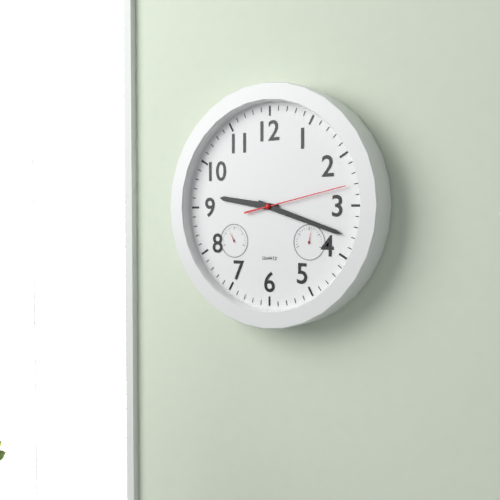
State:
9h18m13s
